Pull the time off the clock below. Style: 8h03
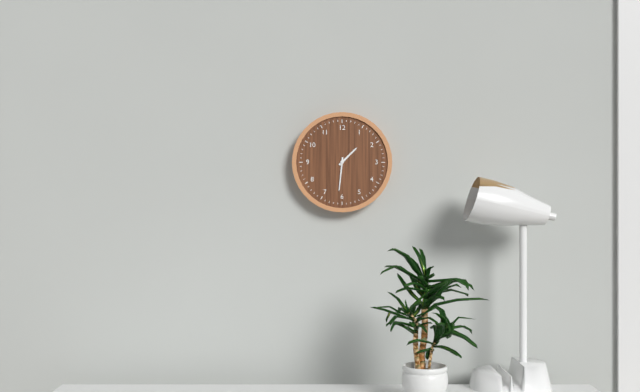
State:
1h31
